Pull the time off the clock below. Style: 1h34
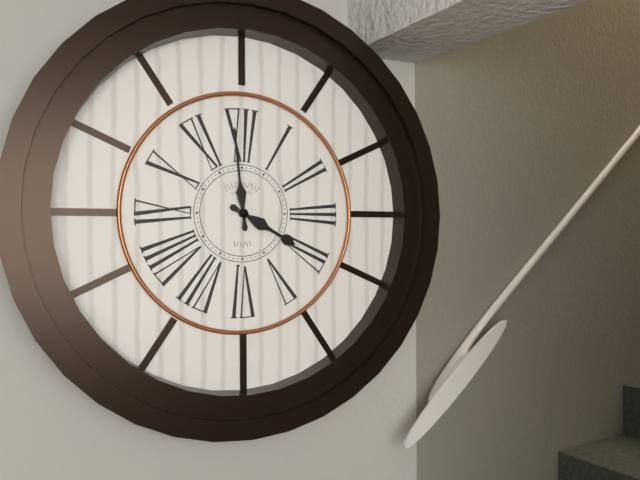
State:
3h59
